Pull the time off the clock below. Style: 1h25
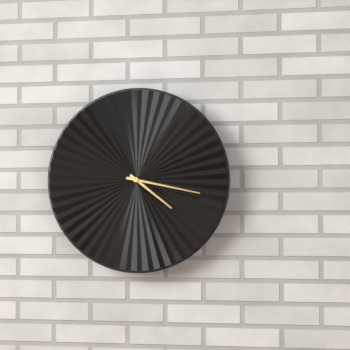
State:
4h17
